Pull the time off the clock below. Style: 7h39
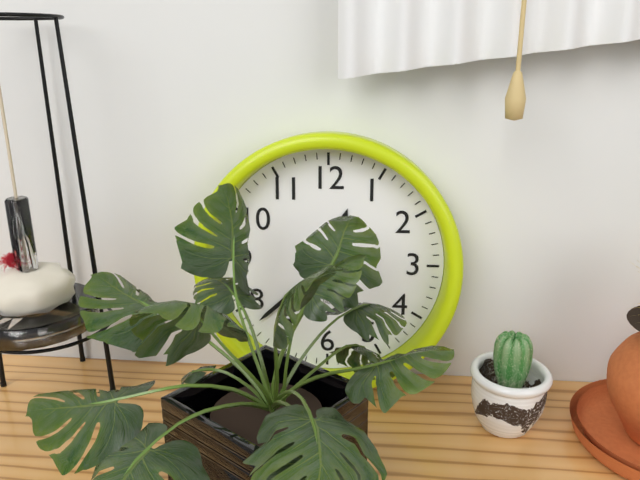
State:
12h38
